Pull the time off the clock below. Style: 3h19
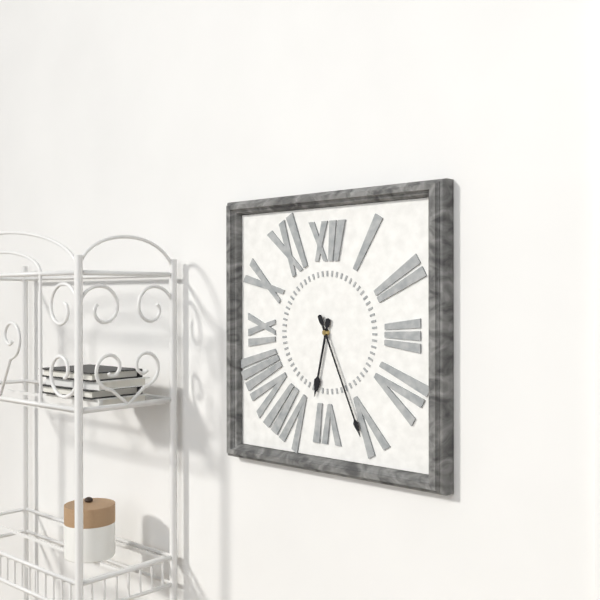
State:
6h26
